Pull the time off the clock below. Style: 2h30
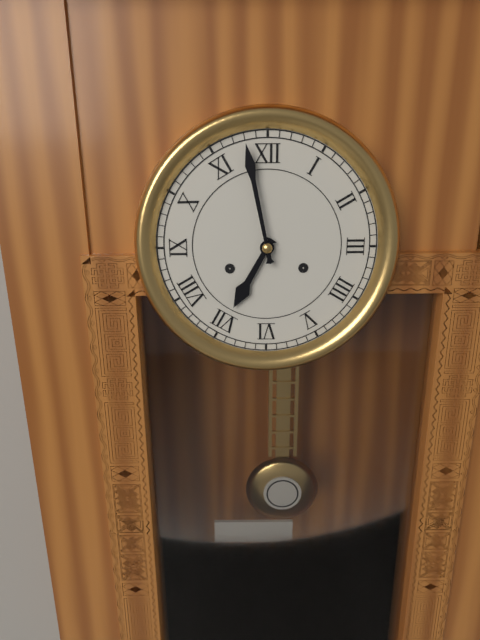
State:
6h58
